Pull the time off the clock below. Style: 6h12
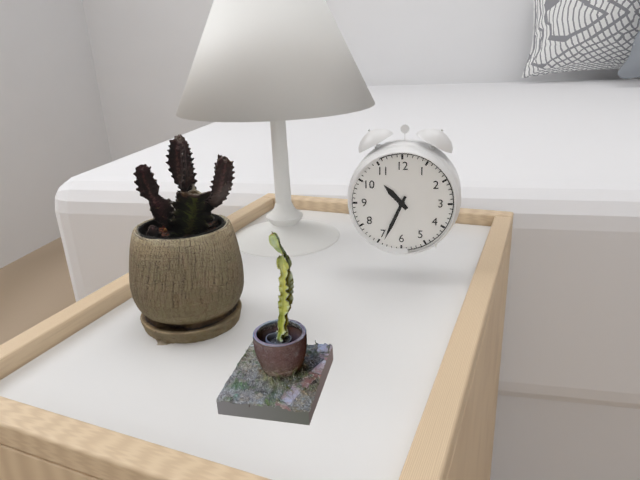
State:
10h34
